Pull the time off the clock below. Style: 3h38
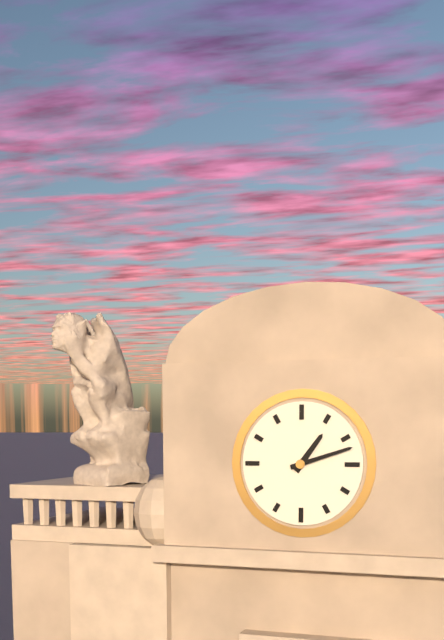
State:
1h12
